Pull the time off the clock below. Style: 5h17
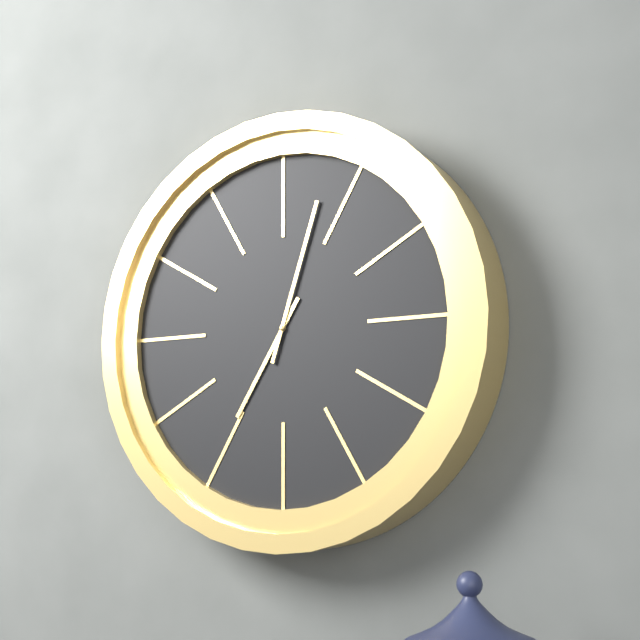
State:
7h03
